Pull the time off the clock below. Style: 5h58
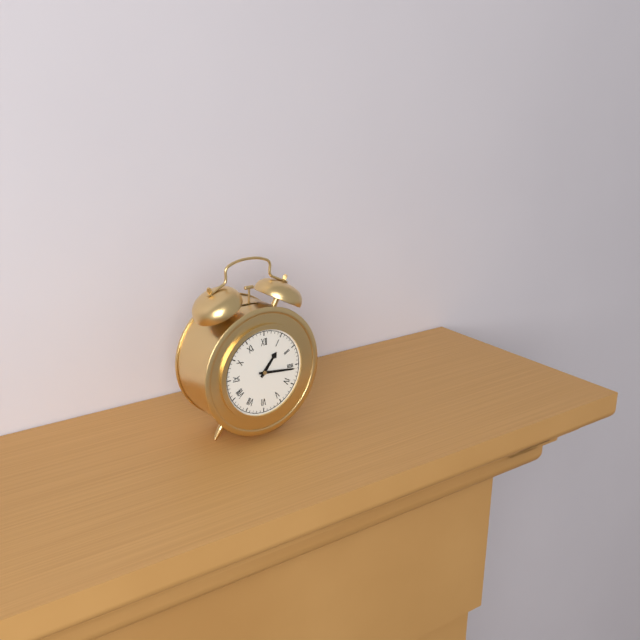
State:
1h16
